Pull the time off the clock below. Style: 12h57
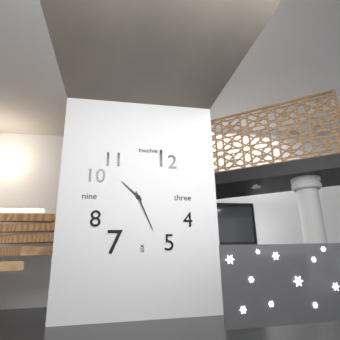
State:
10h26
